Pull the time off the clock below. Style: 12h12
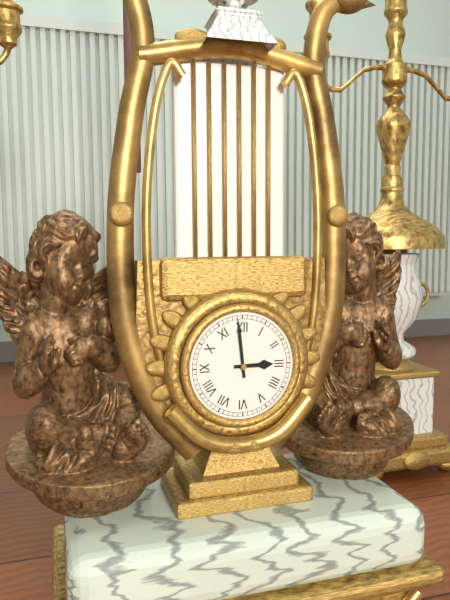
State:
2h59
